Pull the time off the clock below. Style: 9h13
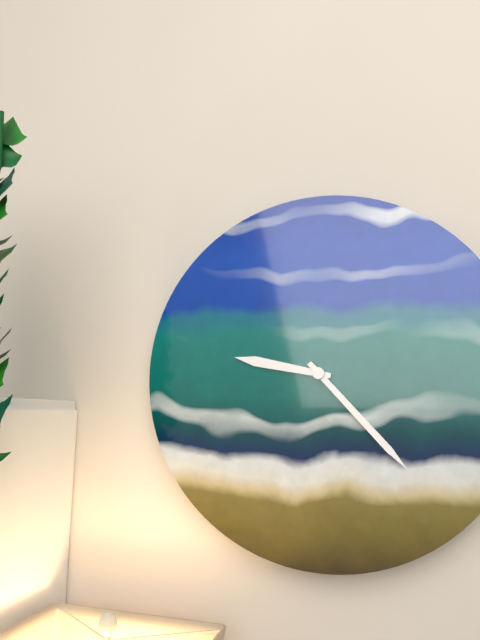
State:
9h23
